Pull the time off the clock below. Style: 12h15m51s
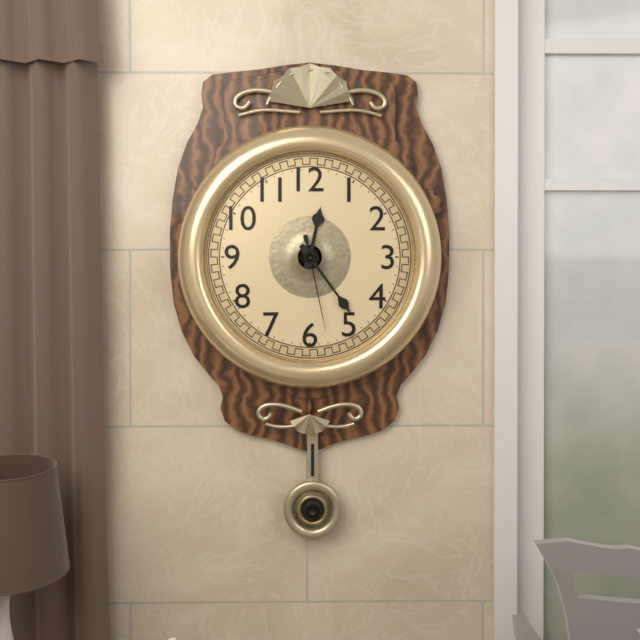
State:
12h24m28s
